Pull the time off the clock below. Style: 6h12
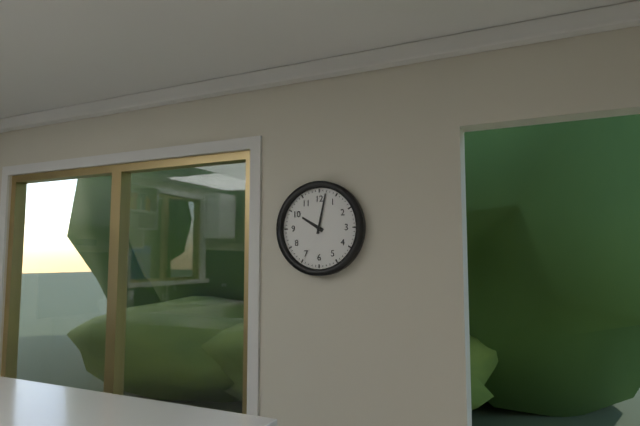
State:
10h02
